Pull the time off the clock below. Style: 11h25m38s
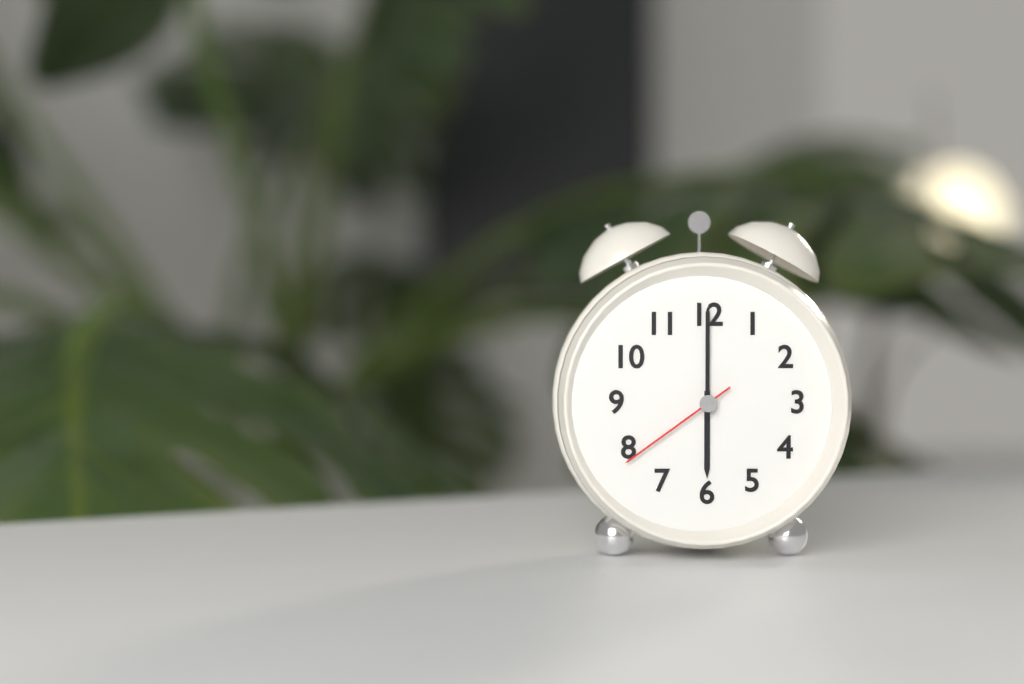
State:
6h00m39s
